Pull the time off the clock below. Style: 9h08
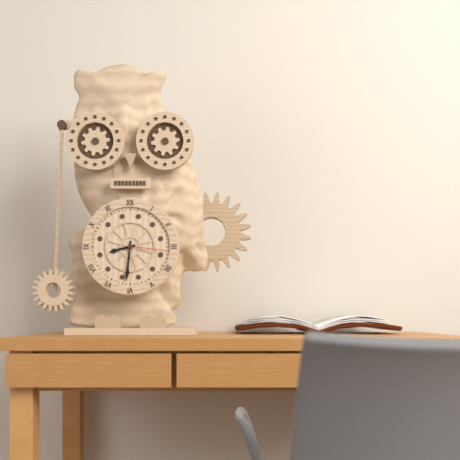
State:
8h31
